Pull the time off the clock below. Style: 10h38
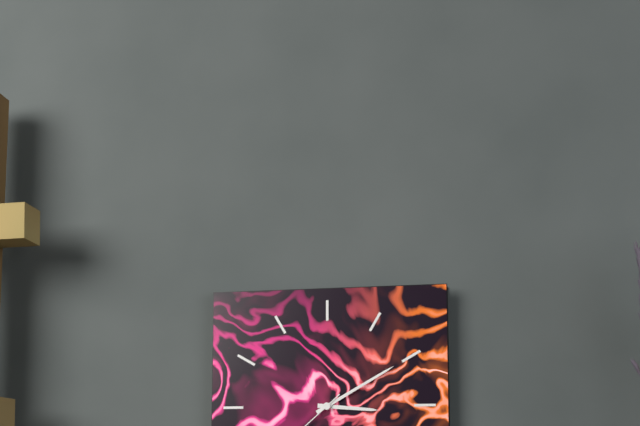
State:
3h10
